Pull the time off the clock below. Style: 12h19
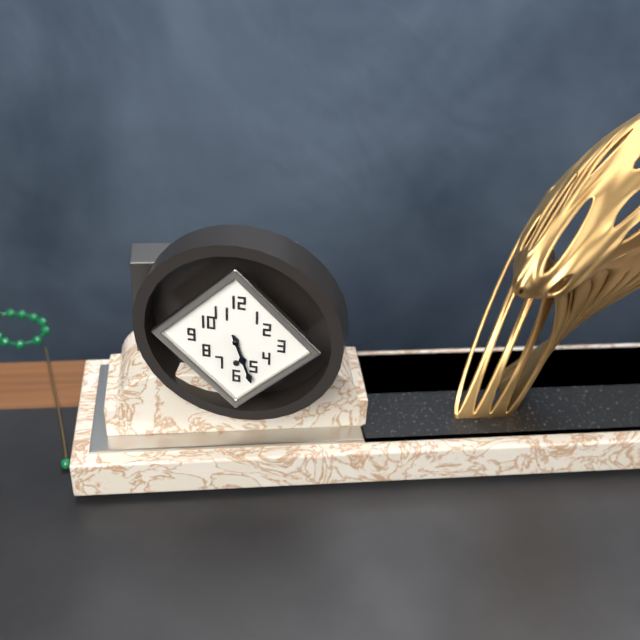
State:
5h27
